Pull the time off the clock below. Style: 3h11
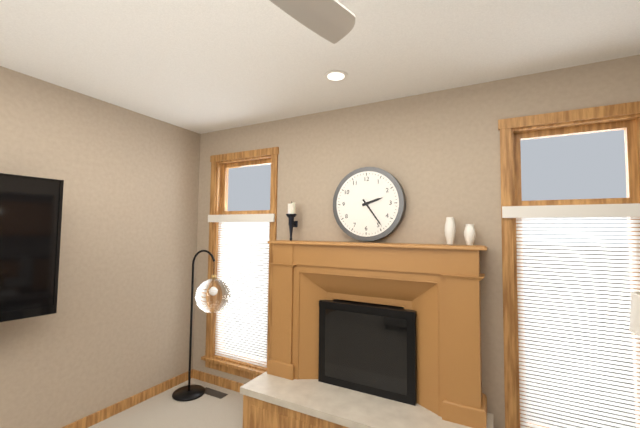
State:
2h24
